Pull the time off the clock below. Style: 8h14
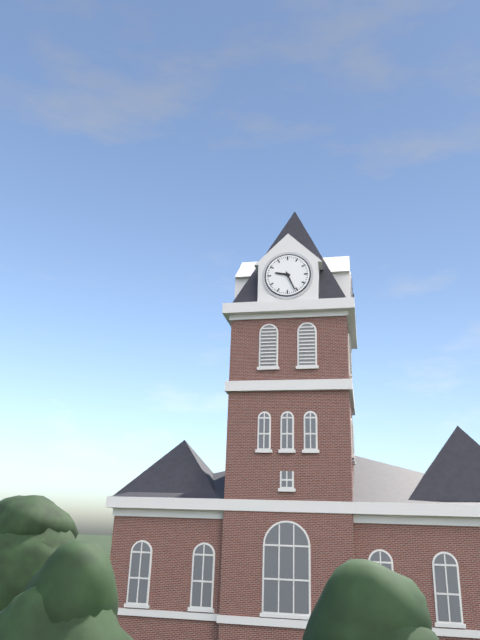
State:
9h26
